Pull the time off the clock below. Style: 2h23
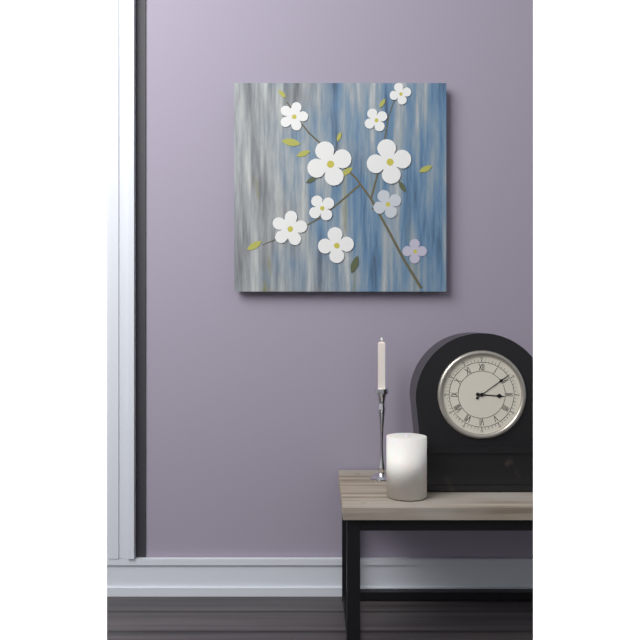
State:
3h09
